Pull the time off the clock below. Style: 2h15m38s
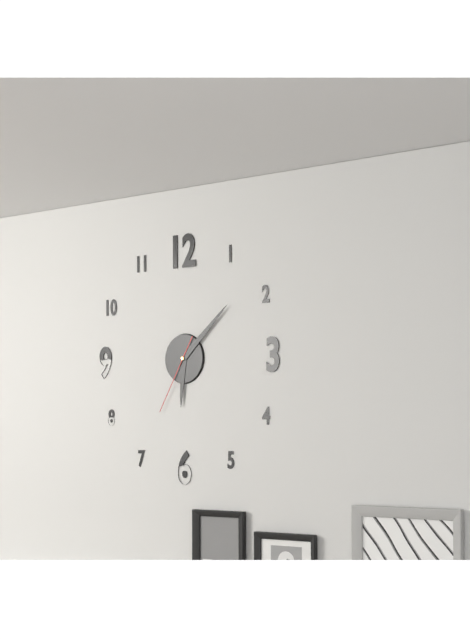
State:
6h08m35s
